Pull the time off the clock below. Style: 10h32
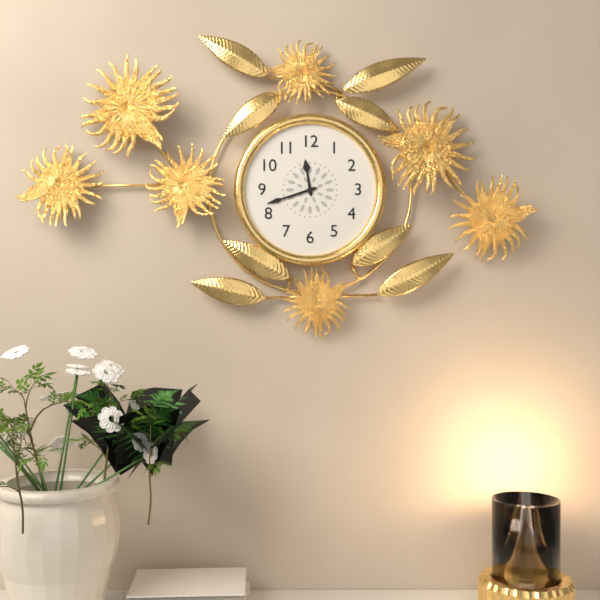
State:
11h42
